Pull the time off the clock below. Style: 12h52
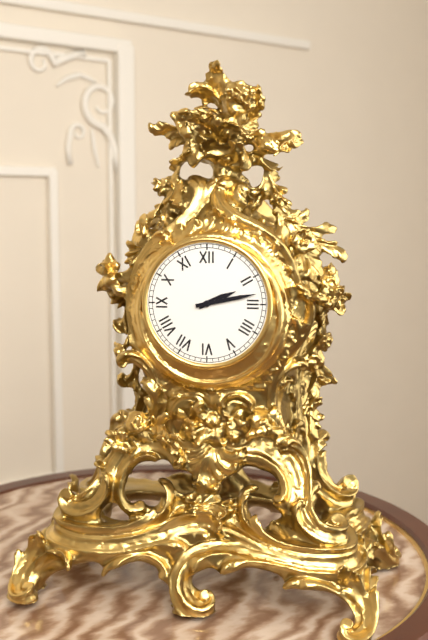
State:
2h13
